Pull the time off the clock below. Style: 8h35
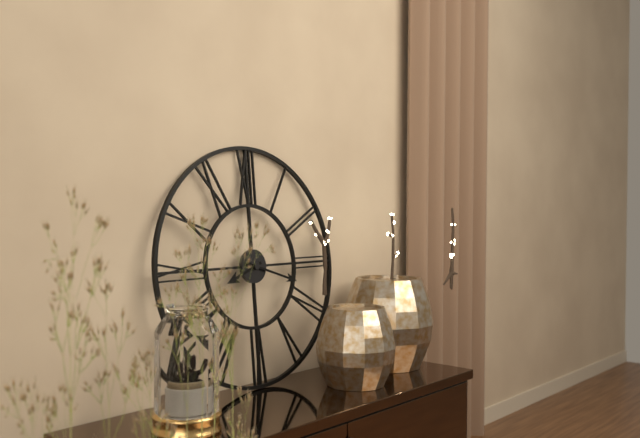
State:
8h18
